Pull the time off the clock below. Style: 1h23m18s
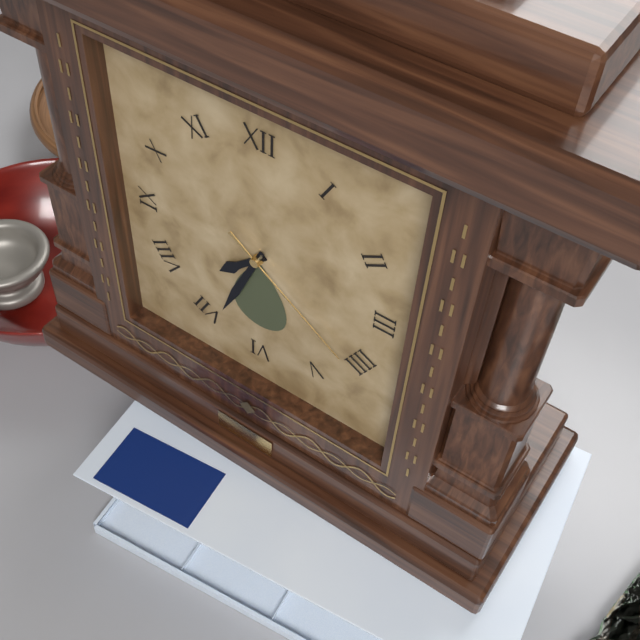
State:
7h34m21s
